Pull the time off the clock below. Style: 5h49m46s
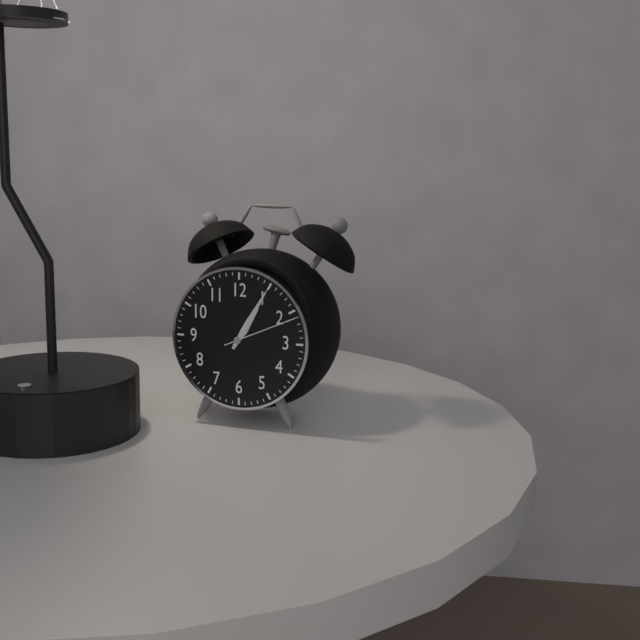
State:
1h05m11s
